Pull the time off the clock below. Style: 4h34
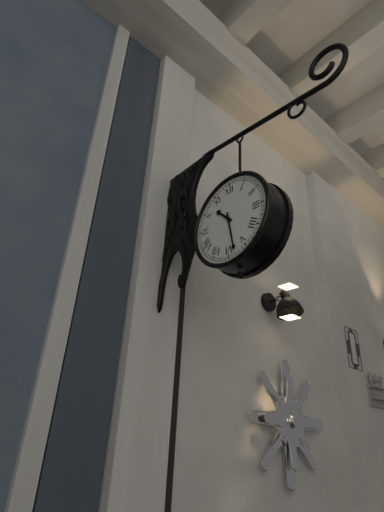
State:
10h28
